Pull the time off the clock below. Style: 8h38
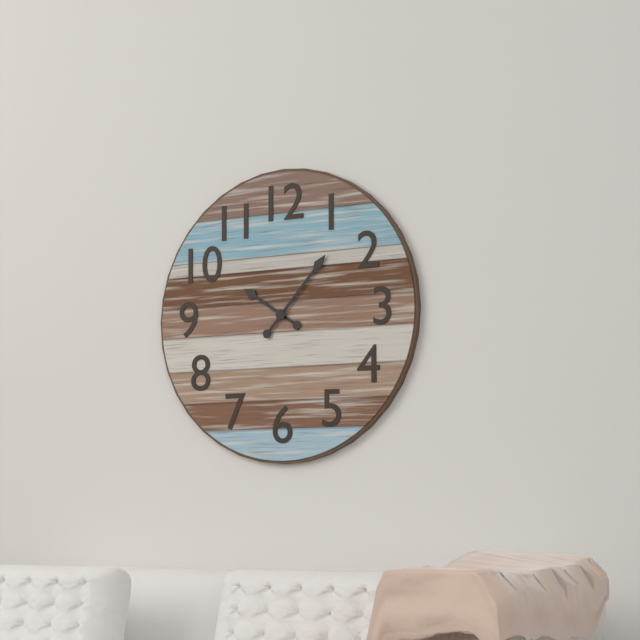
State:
10h07
